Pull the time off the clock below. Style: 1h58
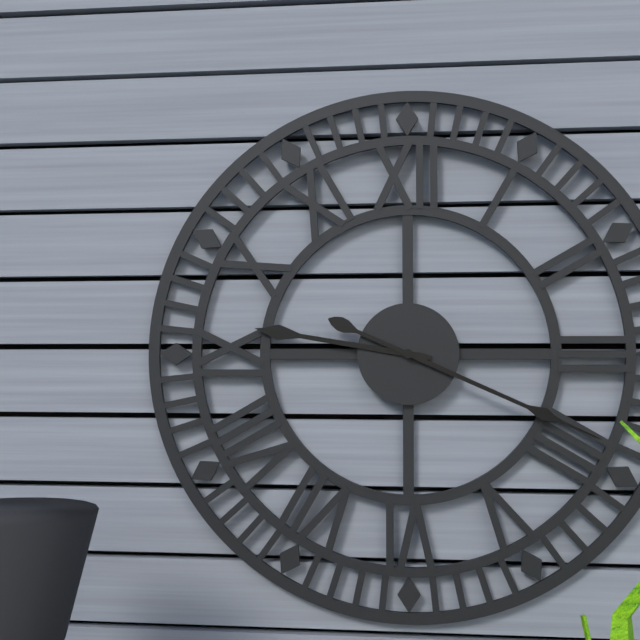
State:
9h19
